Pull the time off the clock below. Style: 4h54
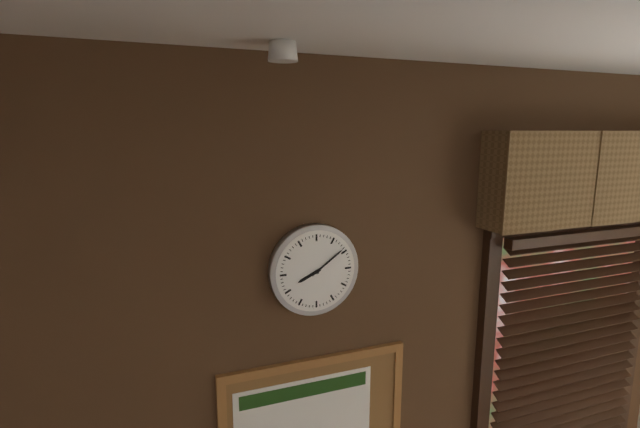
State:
8h09
